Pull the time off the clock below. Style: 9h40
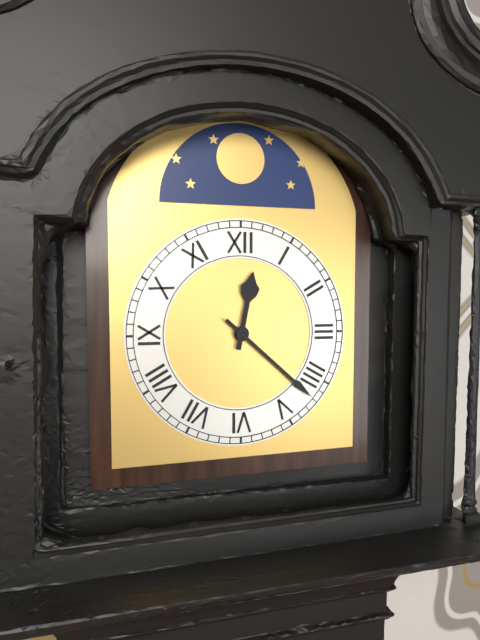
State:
12h22
